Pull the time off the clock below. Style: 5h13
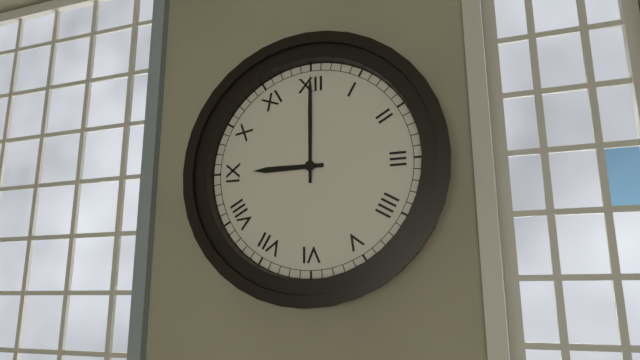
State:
9h00
